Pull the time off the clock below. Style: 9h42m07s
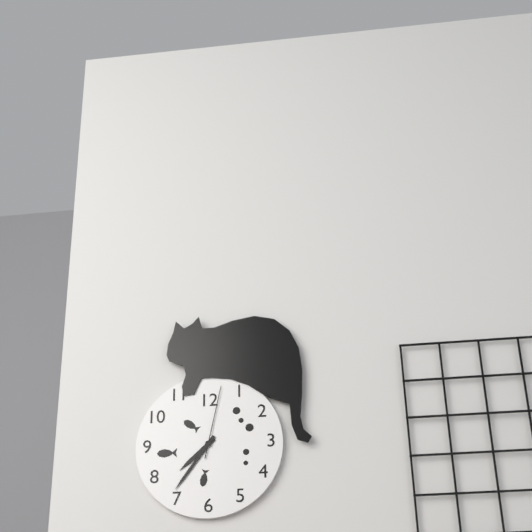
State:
7h36m02s
